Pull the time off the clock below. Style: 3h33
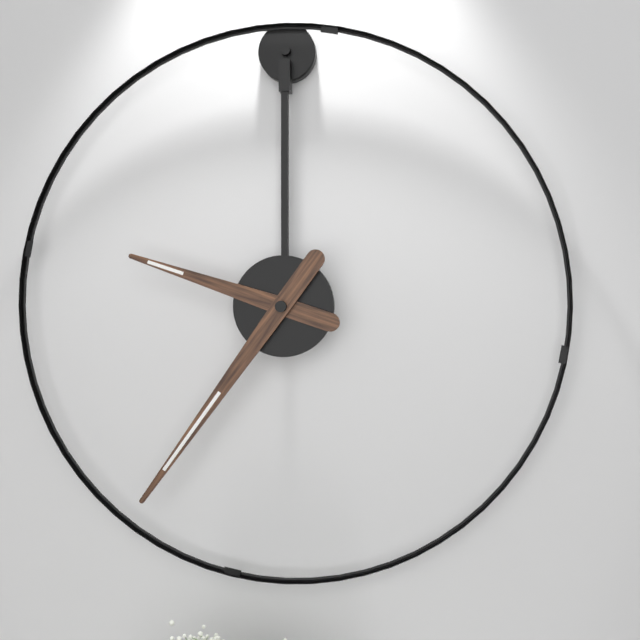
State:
9h36
